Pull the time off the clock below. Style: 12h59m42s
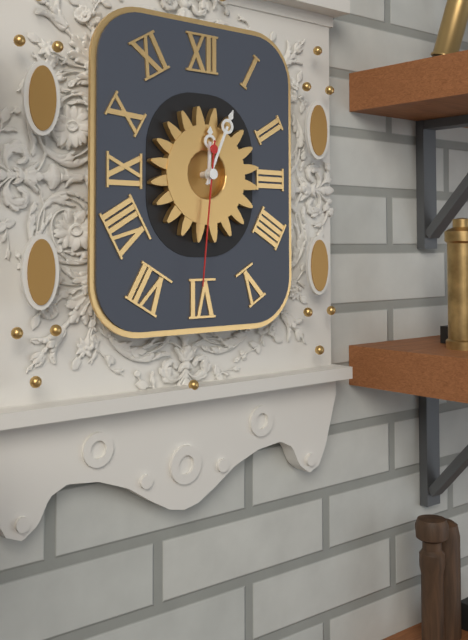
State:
12h04m31s
